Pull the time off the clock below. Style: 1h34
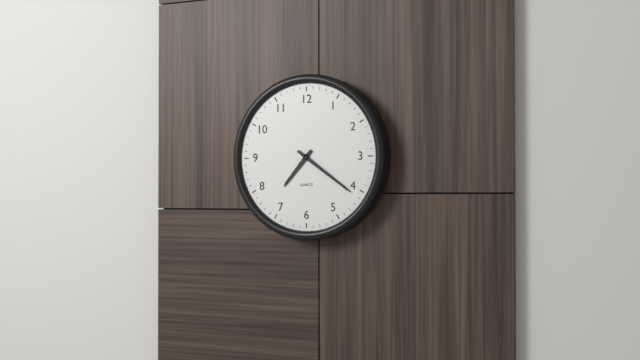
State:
7h21
